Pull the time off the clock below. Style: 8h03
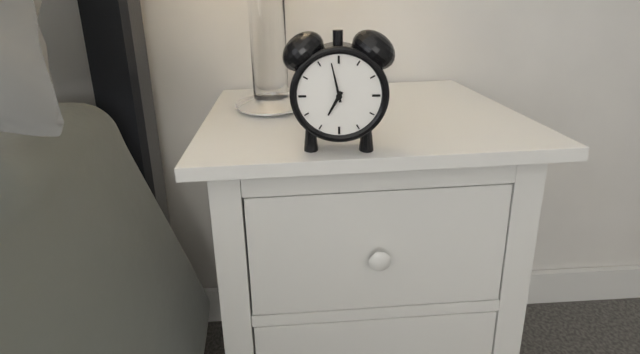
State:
6h58
